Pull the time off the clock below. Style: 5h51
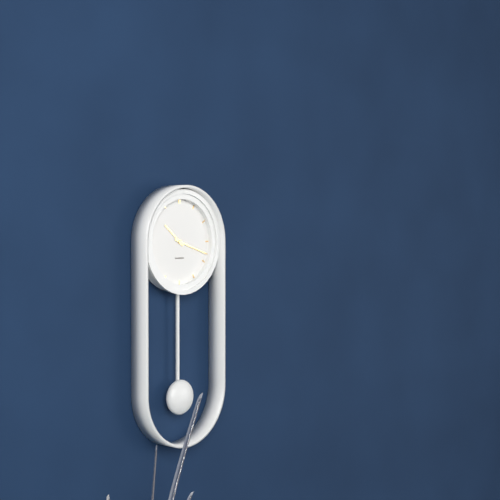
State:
10h18
